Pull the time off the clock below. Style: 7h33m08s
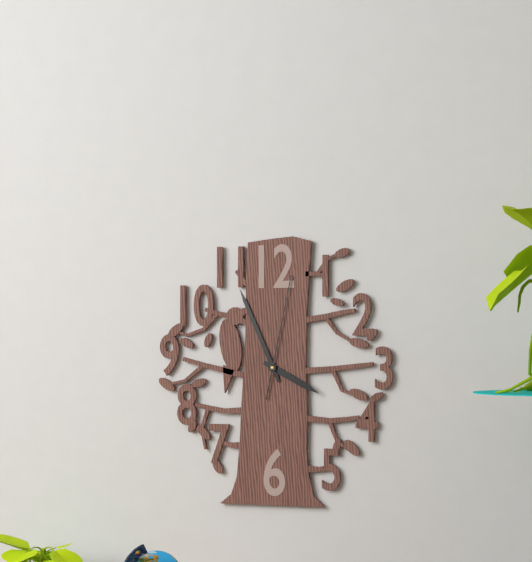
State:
3h56m02s
